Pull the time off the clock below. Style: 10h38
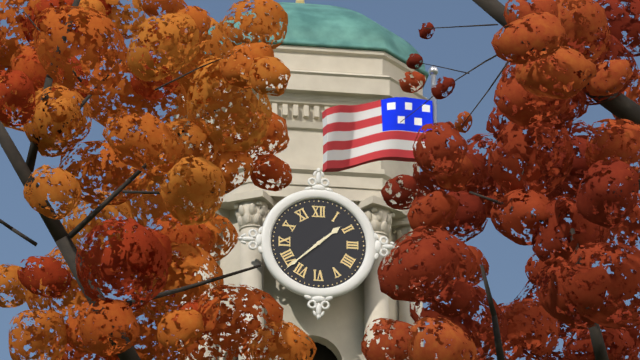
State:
1h38
